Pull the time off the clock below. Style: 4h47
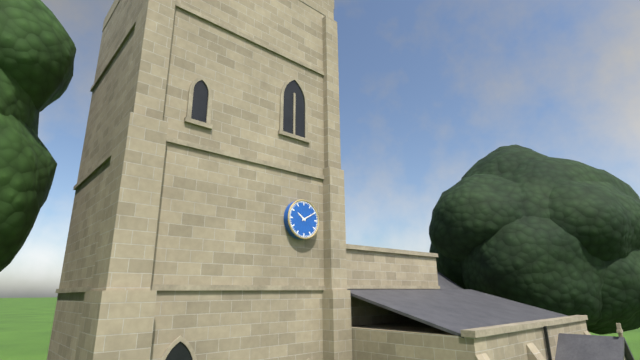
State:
10h10
